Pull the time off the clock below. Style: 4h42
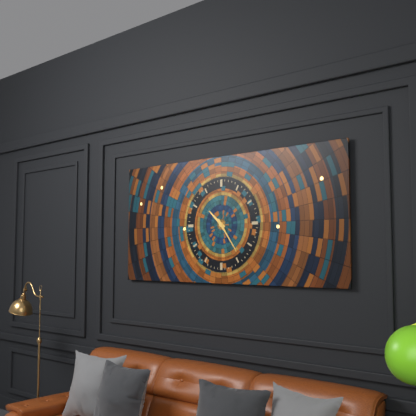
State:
10h24
